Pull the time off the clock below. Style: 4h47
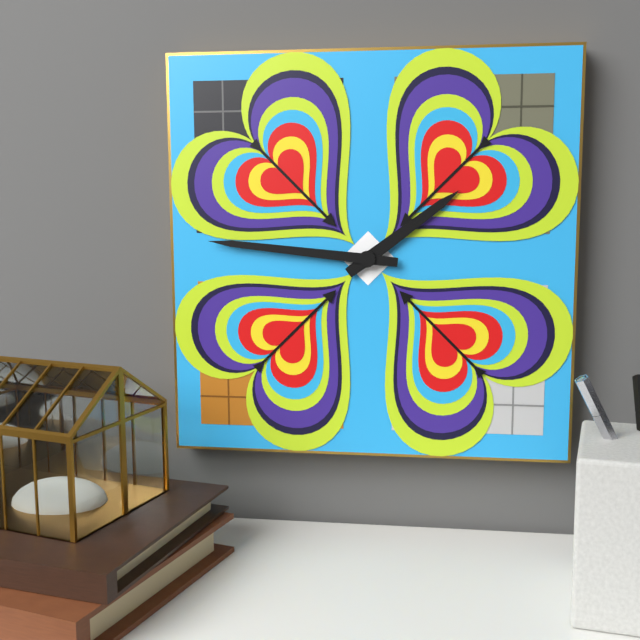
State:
1h46
